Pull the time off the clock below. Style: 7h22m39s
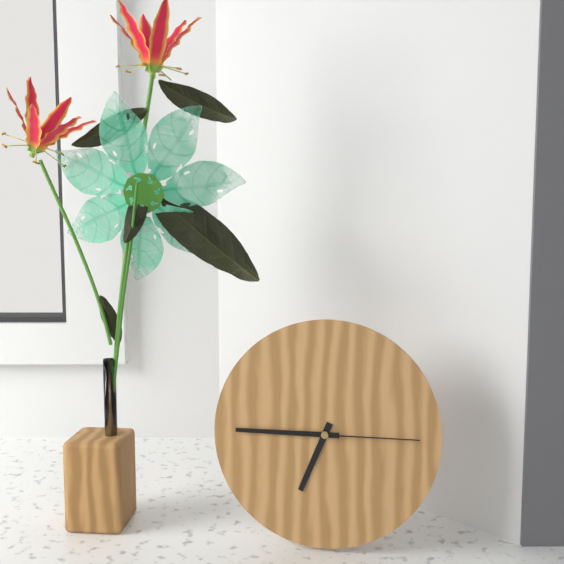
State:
6h45m15s
